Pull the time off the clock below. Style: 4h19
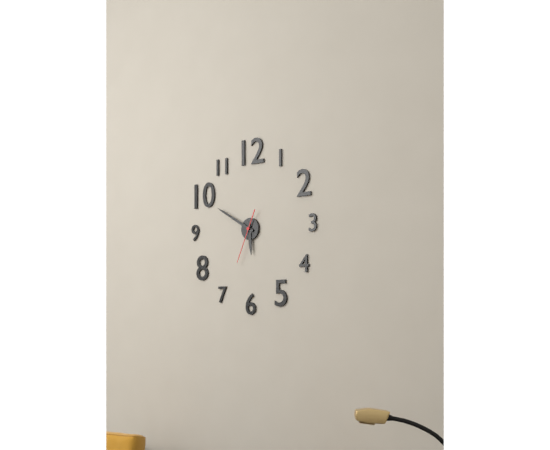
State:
5h50
